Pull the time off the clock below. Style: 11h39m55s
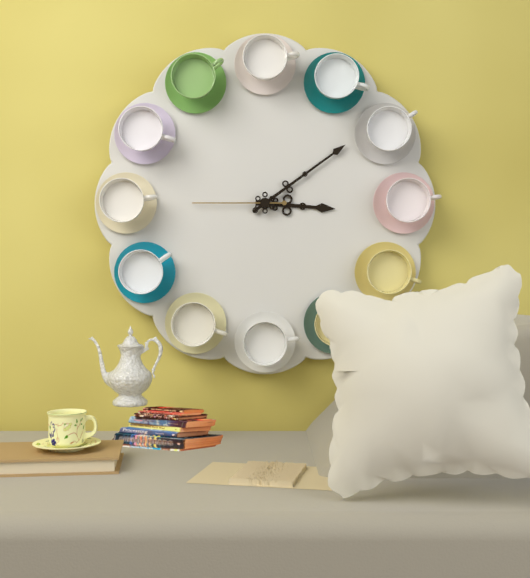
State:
3h09m45s
